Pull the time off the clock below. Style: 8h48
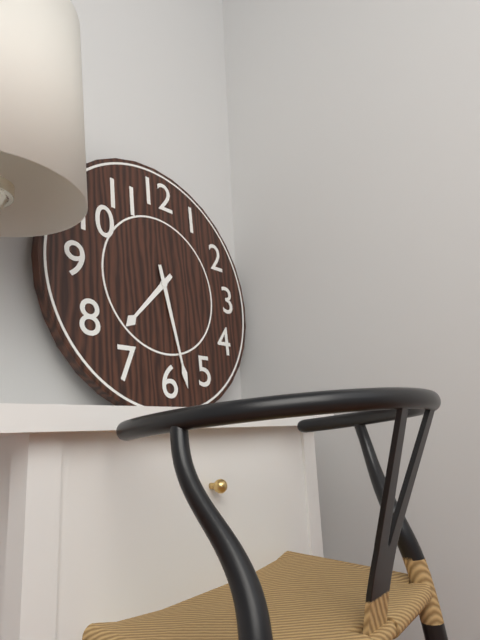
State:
7h28
